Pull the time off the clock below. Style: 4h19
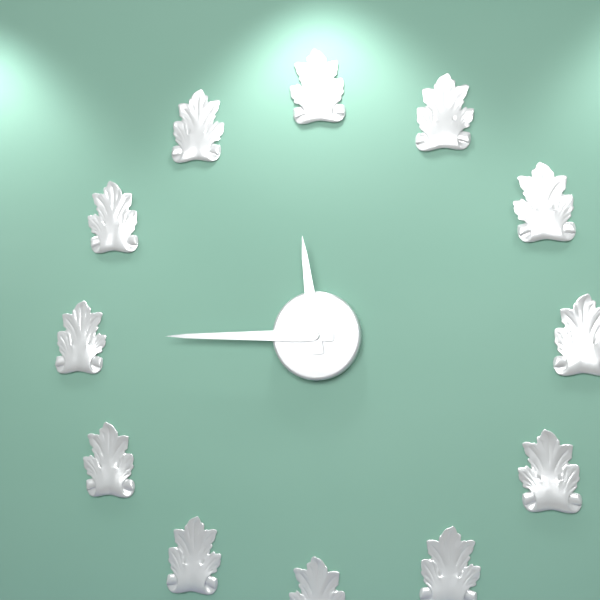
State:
11h45
